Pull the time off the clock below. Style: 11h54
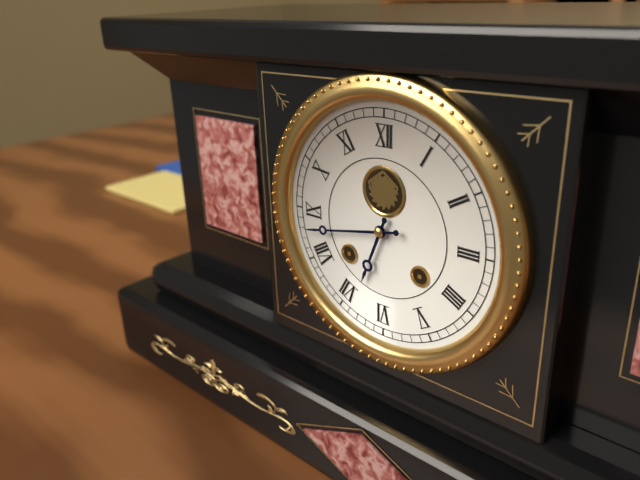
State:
6h43
